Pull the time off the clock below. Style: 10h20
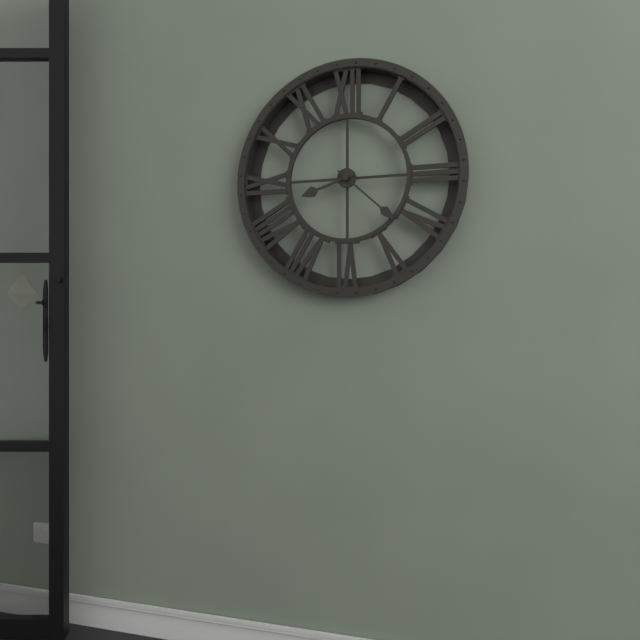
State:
8h22
